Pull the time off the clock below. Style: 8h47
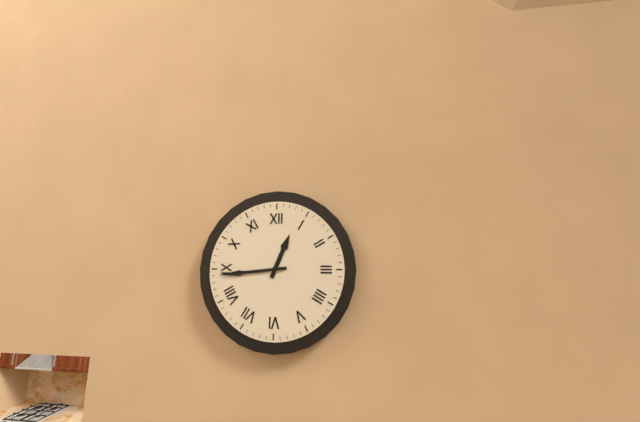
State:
12h44
